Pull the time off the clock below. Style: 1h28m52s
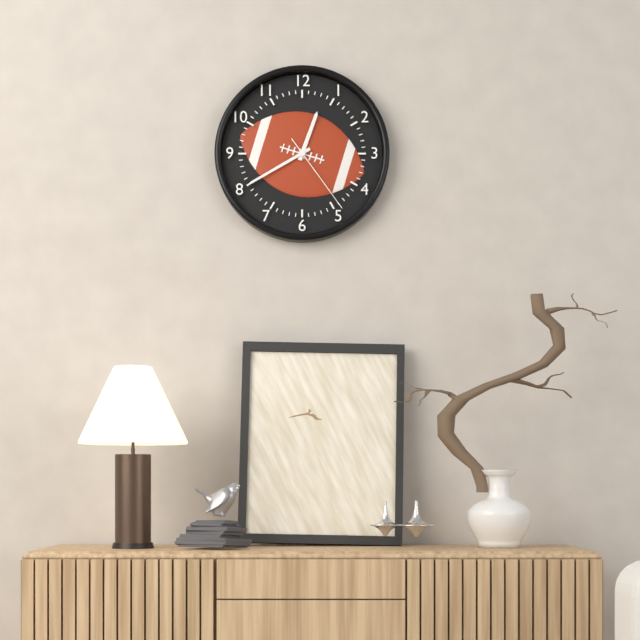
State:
12h40m24s
